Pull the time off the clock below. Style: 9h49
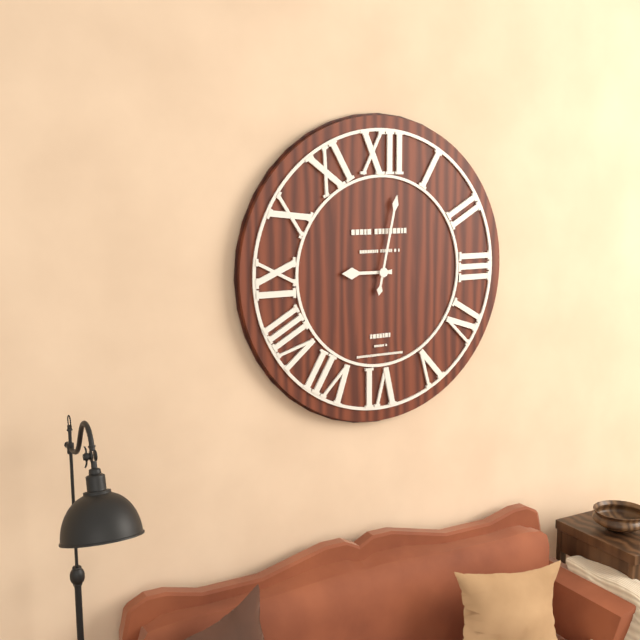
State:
9h02
